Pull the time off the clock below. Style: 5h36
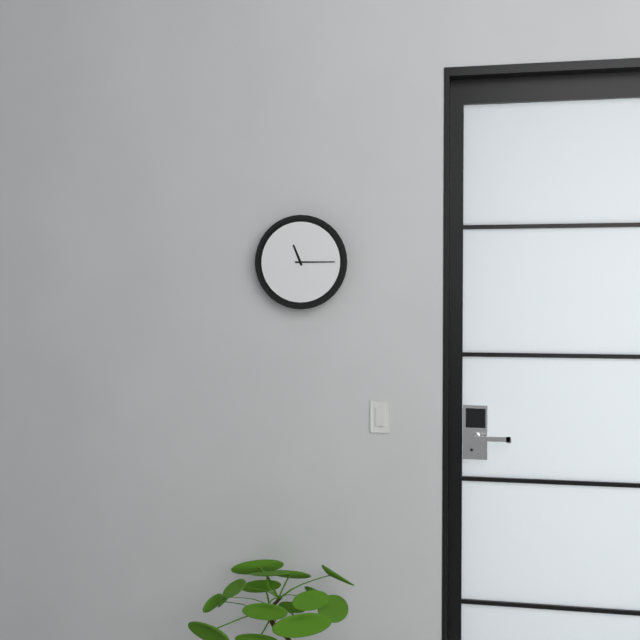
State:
11h15
